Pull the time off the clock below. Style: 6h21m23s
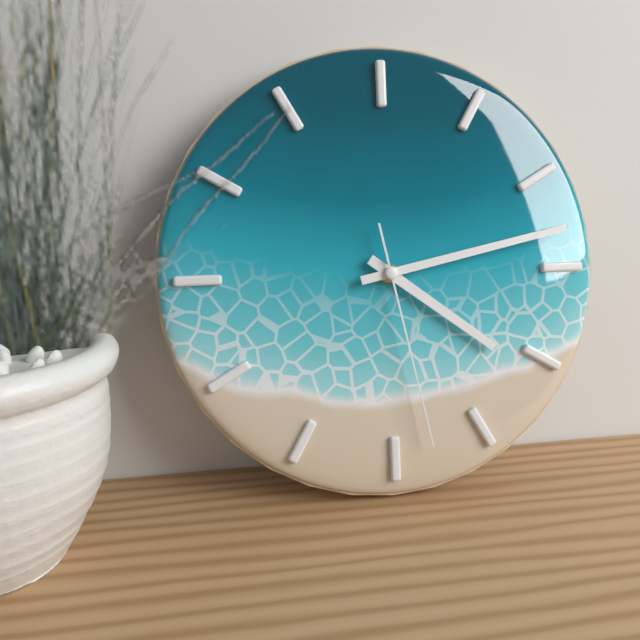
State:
4h13m28s
